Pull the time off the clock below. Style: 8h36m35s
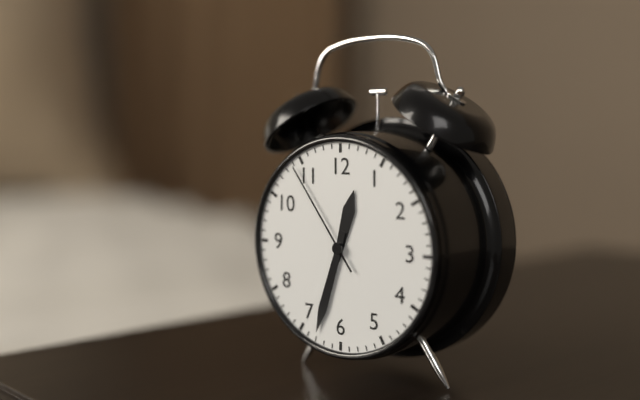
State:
12h33m54s
